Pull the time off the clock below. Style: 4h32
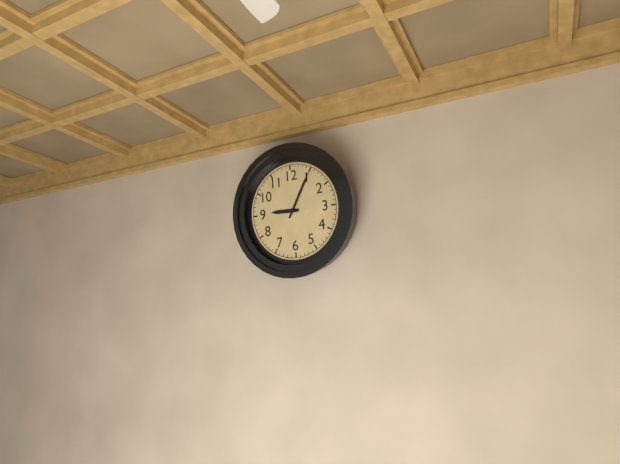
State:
9h05
